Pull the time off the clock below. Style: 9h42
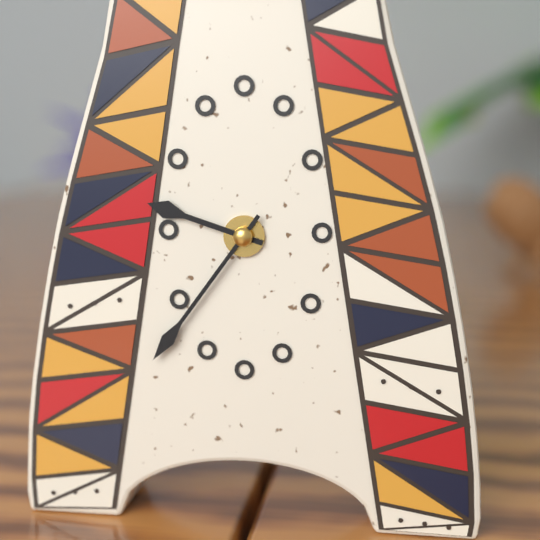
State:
9h36
